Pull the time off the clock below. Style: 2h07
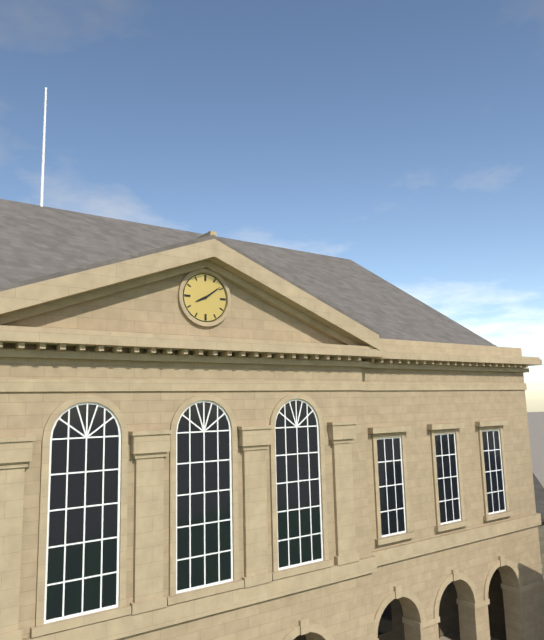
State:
8h09
